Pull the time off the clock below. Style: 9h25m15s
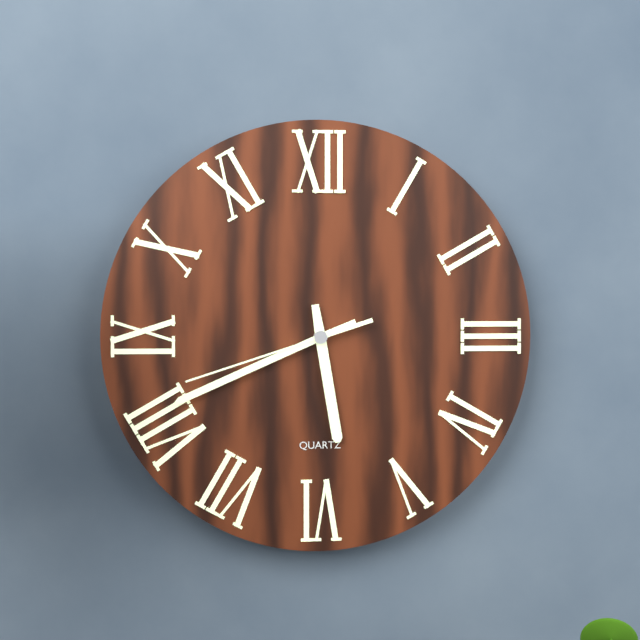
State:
5h41m42s
